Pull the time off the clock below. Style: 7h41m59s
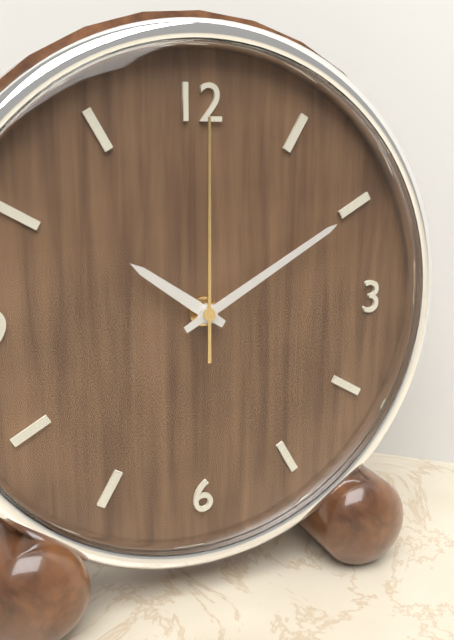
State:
10h10m00s
